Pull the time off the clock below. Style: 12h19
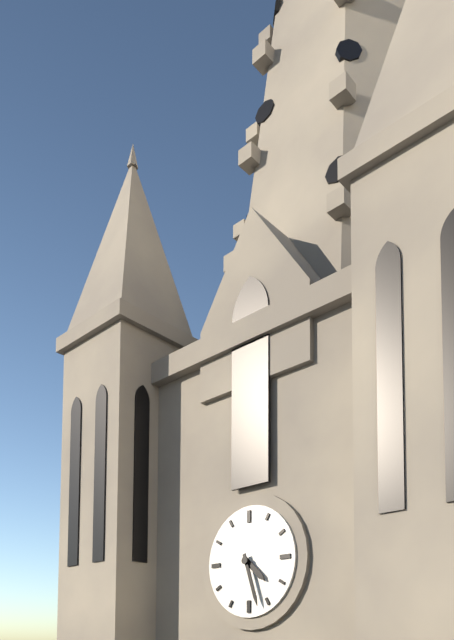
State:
4h27
